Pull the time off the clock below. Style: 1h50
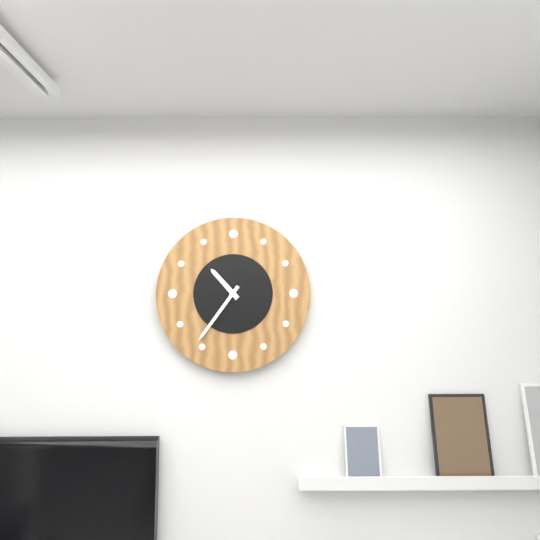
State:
10h36
